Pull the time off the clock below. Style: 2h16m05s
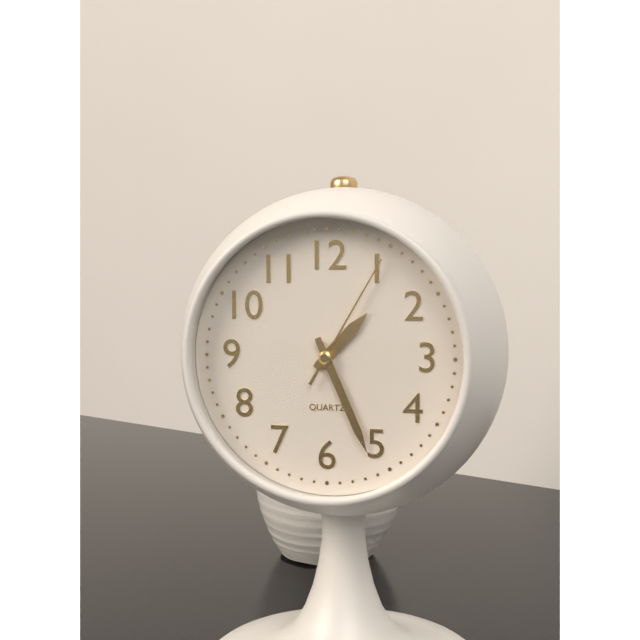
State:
1h26m05s
